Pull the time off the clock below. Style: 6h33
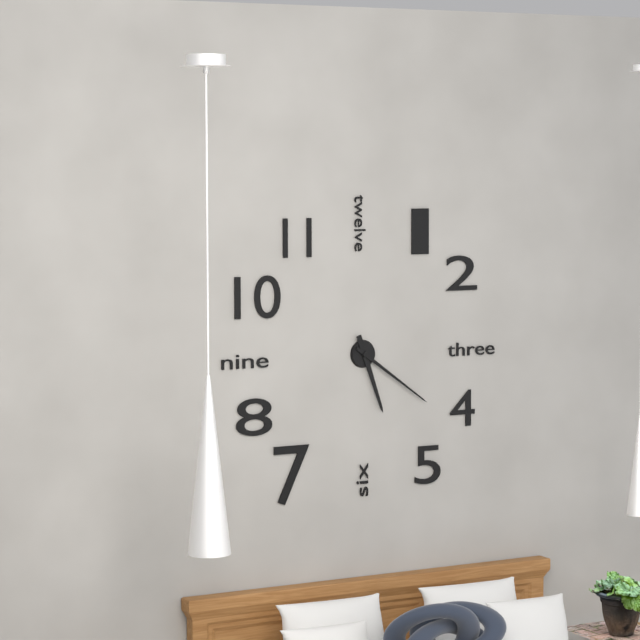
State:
5h21
